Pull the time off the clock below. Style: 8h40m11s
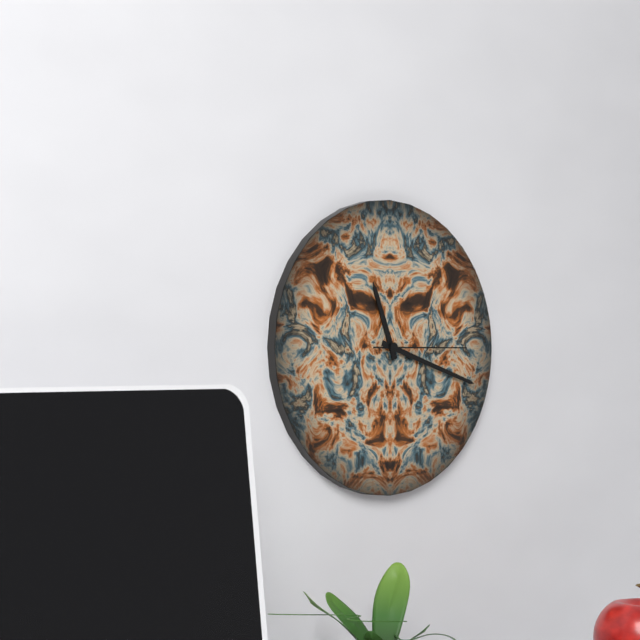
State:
11h18m15s
